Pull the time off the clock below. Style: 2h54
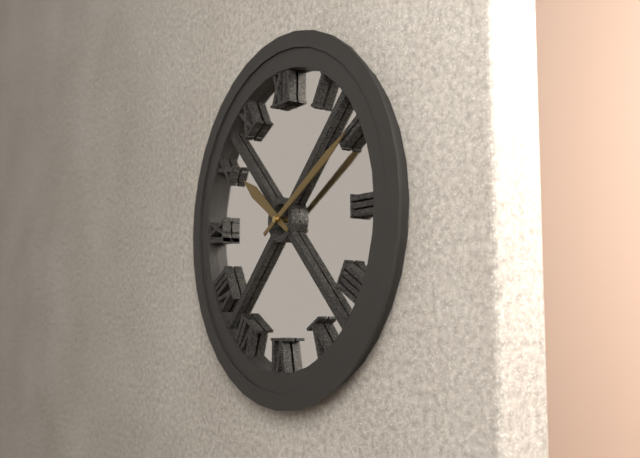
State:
10h10
